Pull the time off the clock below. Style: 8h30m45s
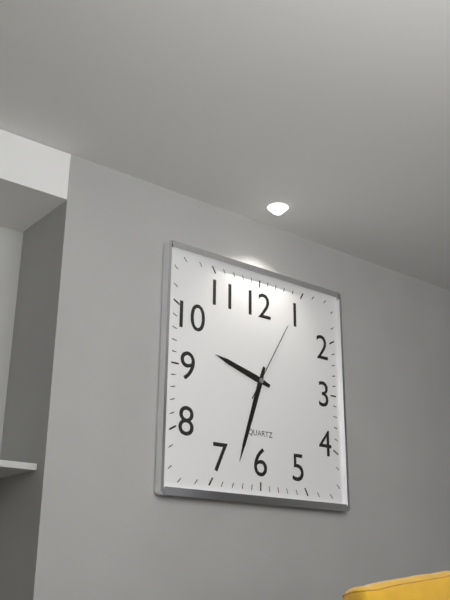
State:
9h33m05s
